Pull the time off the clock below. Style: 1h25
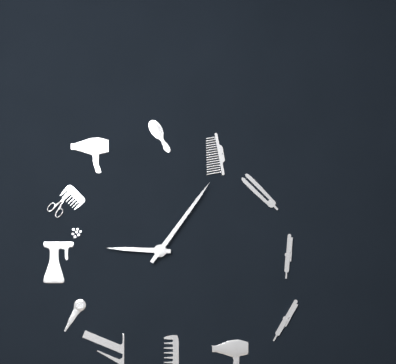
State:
9h06
